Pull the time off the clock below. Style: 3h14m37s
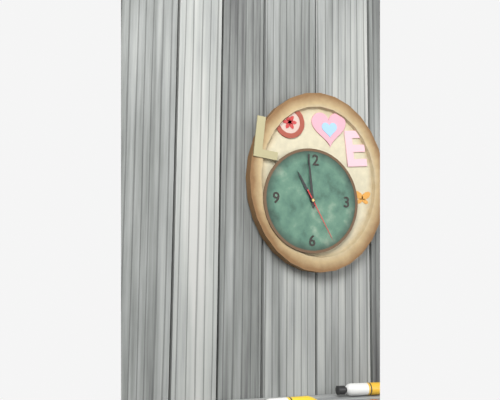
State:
10h59m25s
